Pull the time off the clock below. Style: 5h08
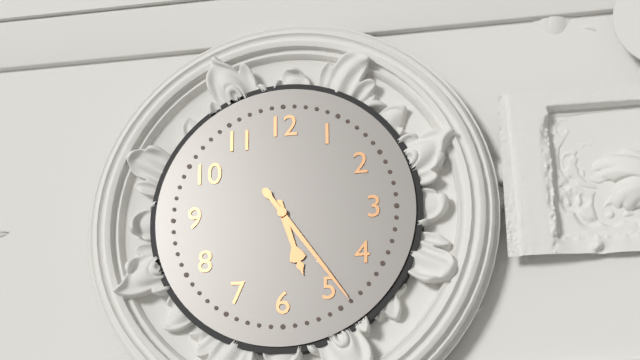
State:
5h24
